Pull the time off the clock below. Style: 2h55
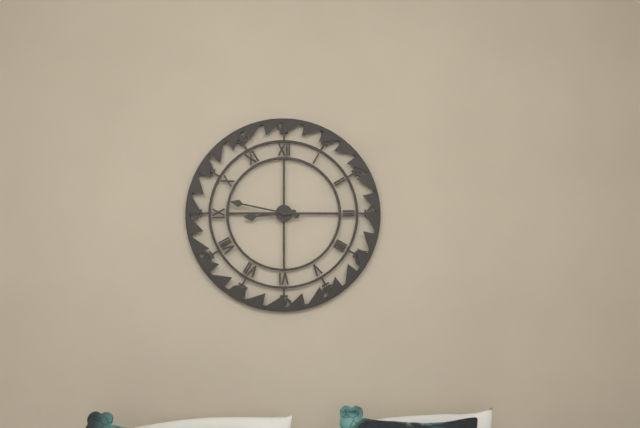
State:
8h47
